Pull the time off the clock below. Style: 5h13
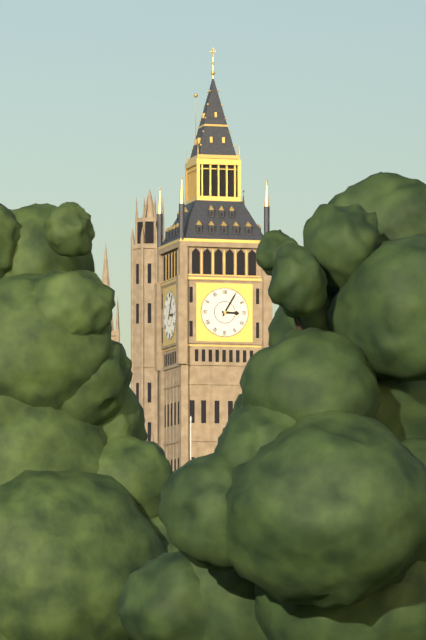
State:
3h05
